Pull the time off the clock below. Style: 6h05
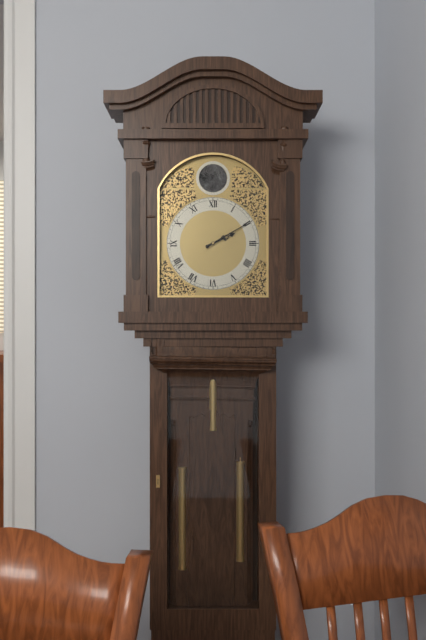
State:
2h10
